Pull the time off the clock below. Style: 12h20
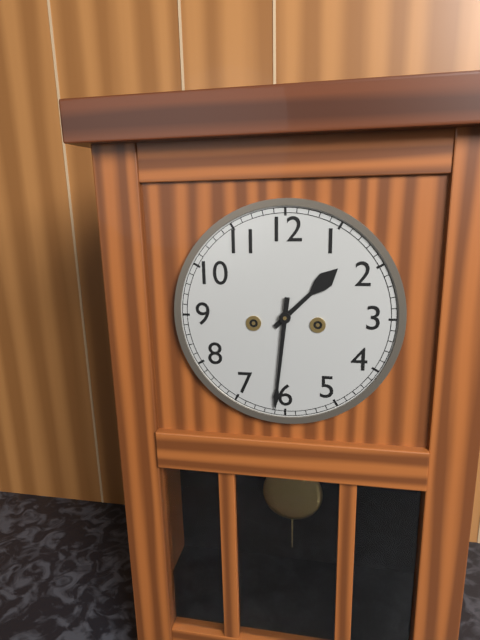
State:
1h31
